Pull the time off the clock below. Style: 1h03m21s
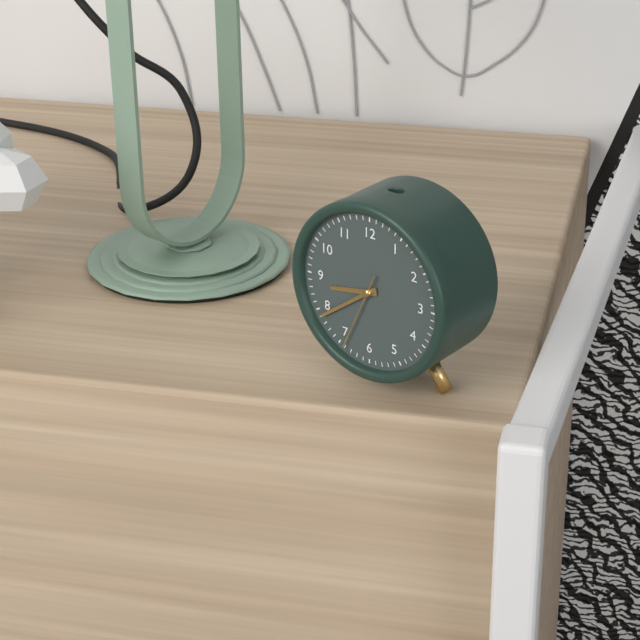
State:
8h39m34s
